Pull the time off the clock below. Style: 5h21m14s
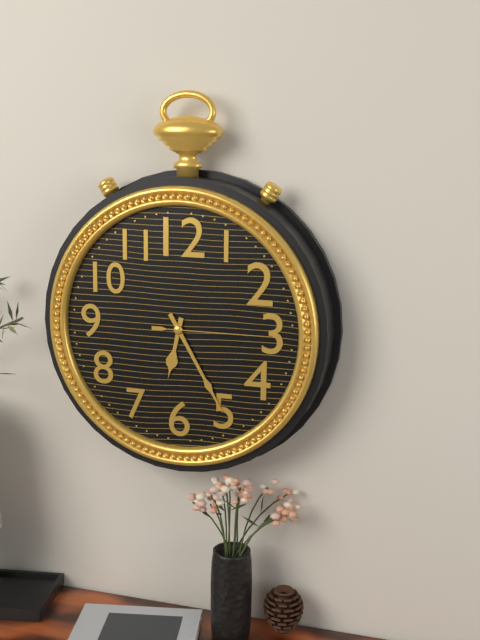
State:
6h25m15s
